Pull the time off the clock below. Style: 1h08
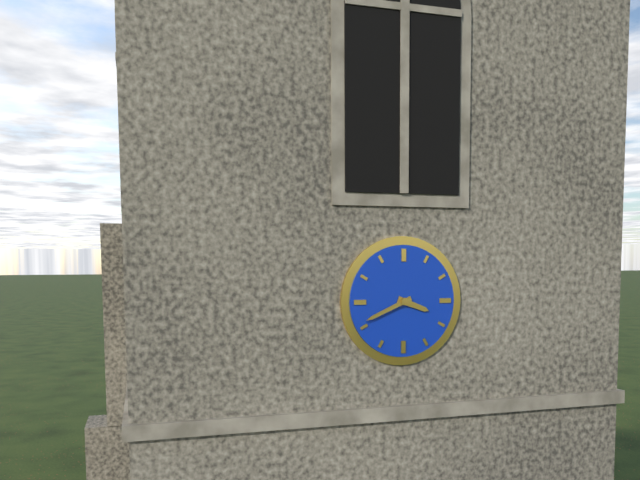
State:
3h41
